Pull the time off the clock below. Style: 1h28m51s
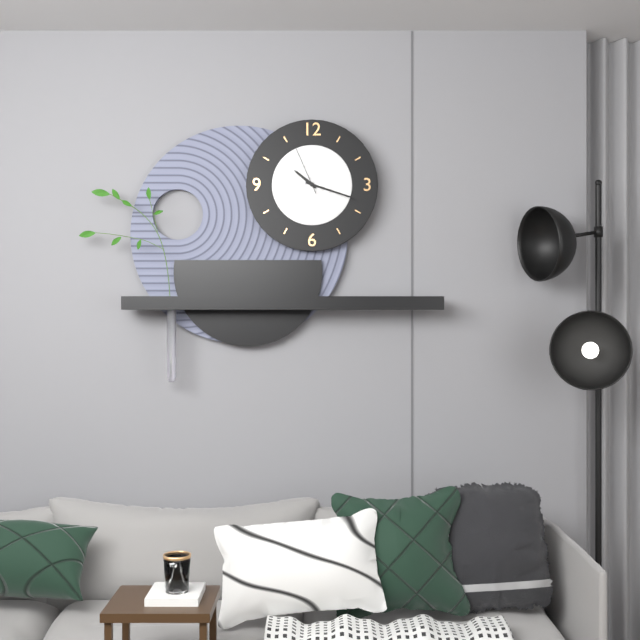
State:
10h18m56s
